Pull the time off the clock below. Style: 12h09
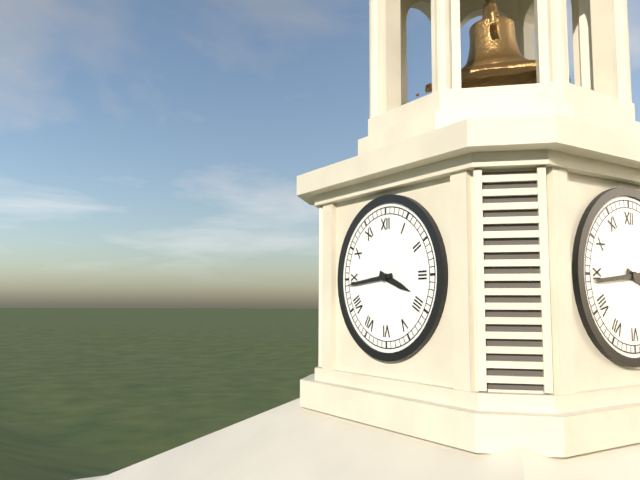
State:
3h44
